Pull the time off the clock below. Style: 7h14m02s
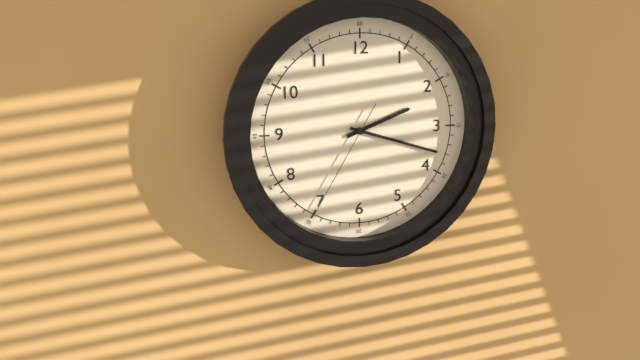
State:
2h18m35s
